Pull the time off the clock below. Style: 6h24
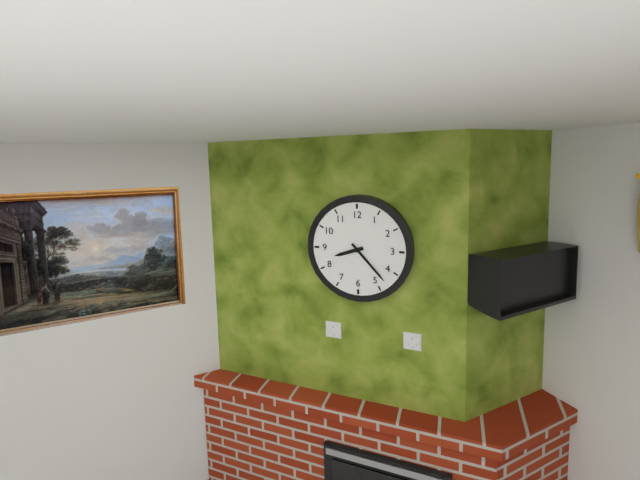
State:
8h23
